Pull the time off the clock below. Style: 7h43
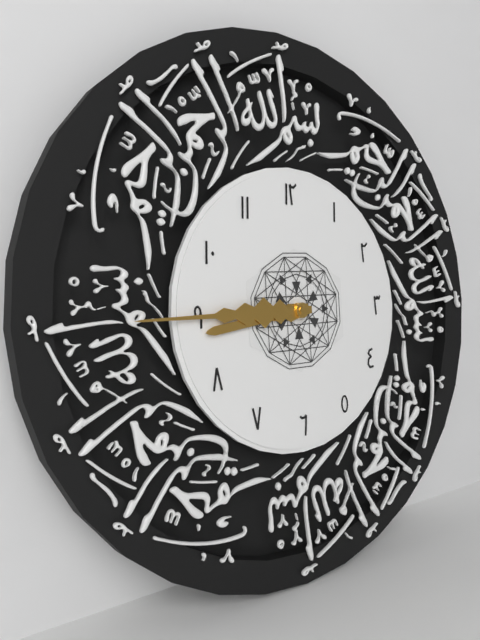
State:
8h45
